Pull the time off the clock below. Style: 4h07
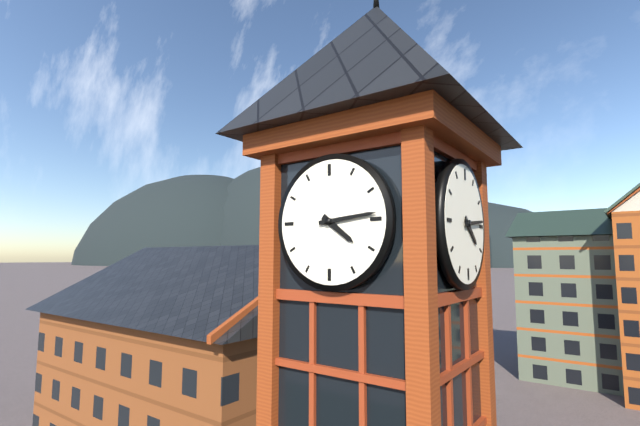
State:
4h14
